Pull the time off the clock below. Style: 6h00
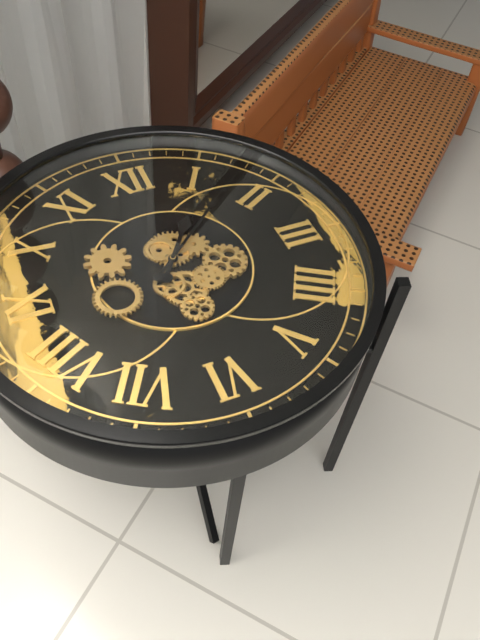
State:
1h08
